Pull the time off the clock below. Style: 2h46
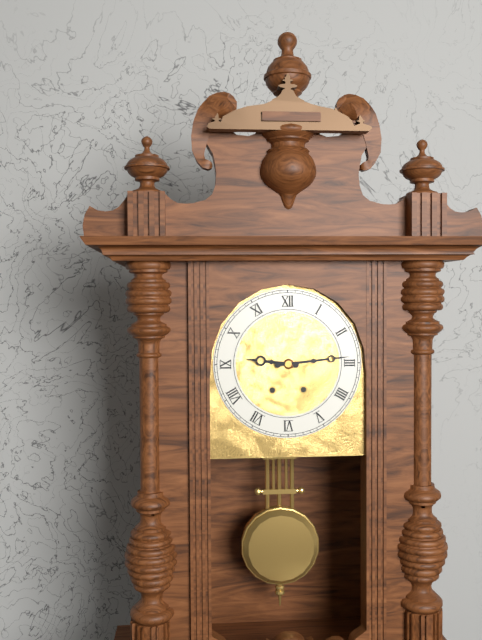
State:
9h14
